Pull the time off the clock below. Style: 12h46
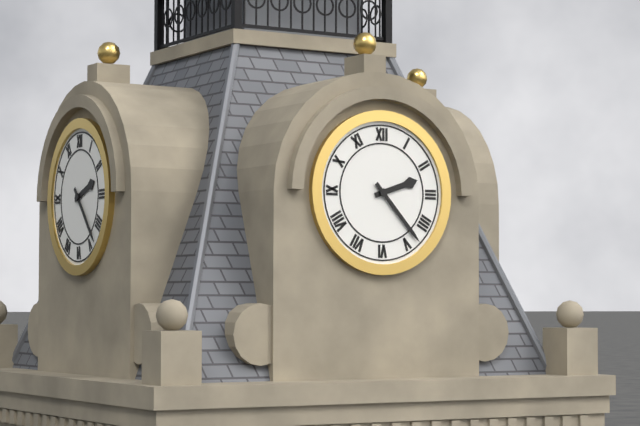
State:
2h23
